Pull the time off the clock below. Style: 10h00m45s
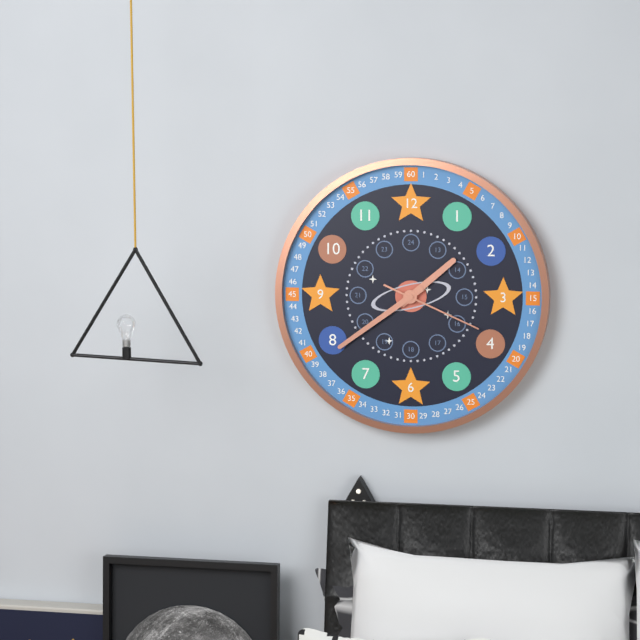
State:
1h39m19s
